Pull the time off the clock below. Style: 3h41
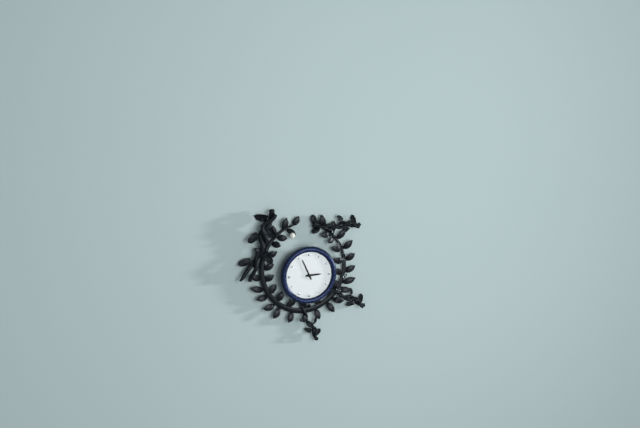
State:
2h56
